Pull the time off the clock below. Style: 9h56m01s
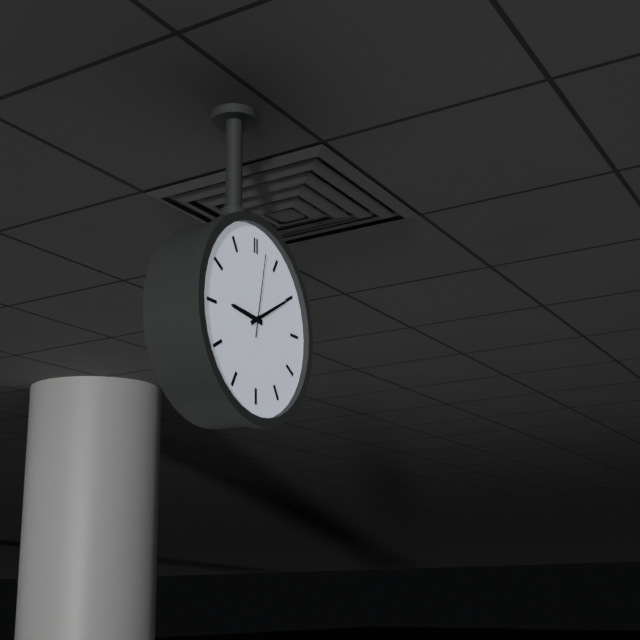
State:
9h10m02s
